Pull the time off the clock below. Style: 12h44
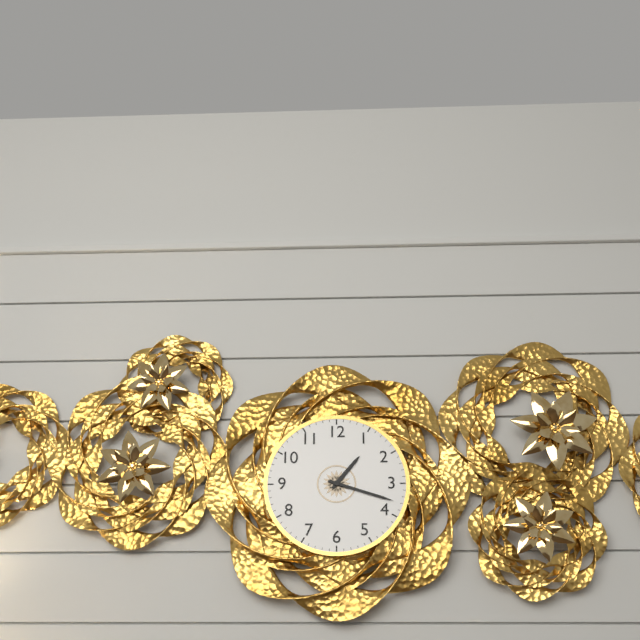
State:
1h18
